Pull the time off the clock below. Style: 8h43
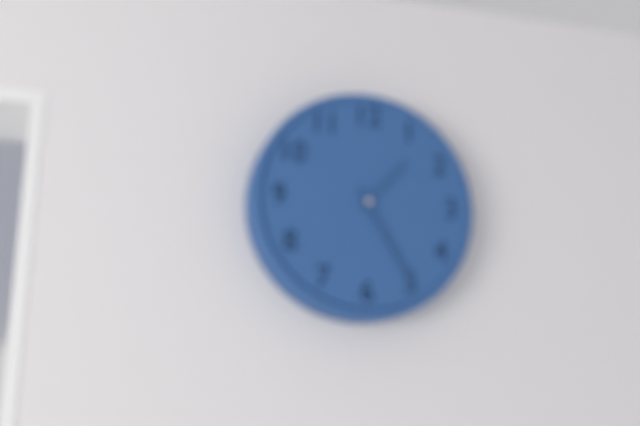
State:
1h25
